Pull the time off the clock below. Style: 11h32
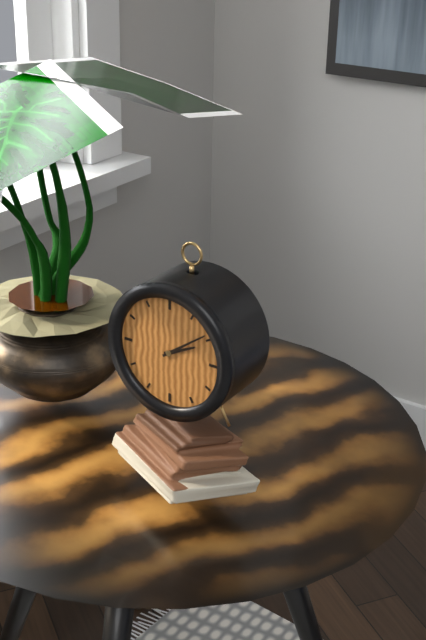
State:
2h09
